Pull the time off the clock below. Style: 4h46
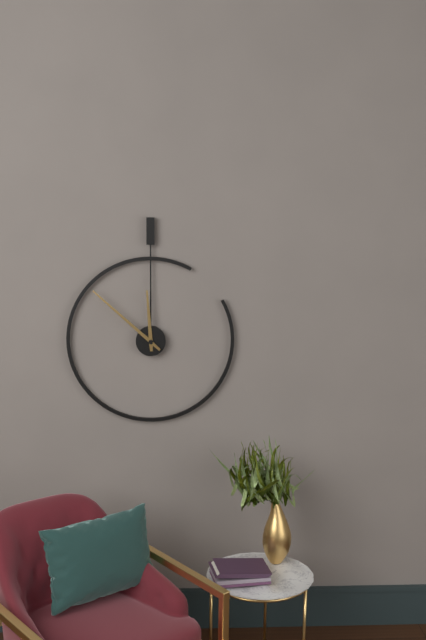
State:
11h52
